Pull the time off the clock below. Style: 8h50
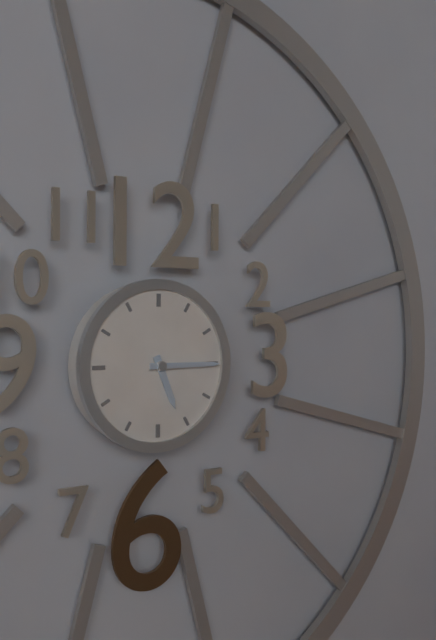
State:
5h15
